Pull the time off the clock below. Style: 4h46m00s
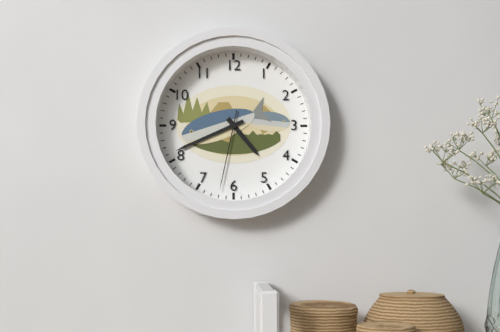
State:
4h41m32s
